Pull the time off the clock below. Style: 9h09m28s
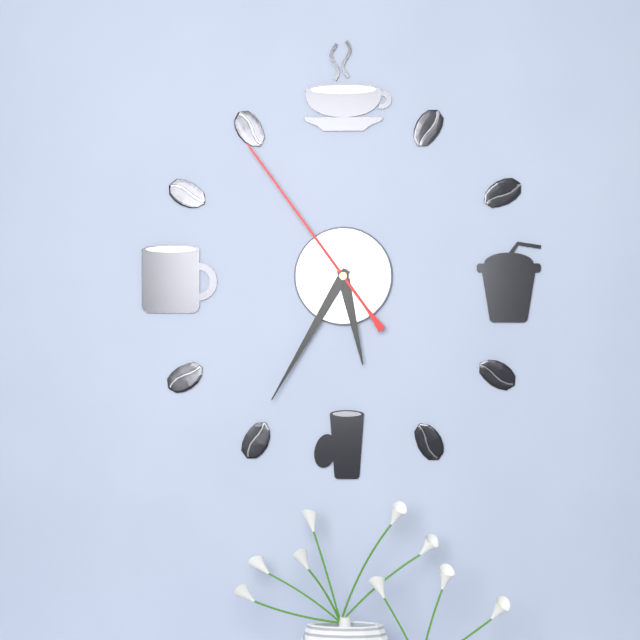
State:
5h35m54s
